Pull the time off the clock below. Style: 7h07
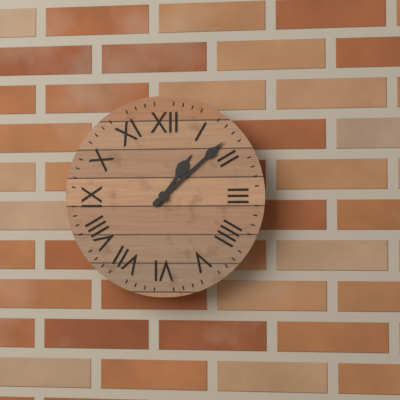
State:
1h08
